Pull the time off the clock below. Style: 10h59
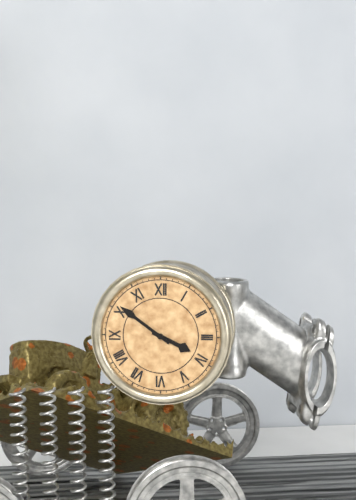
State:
3h51
